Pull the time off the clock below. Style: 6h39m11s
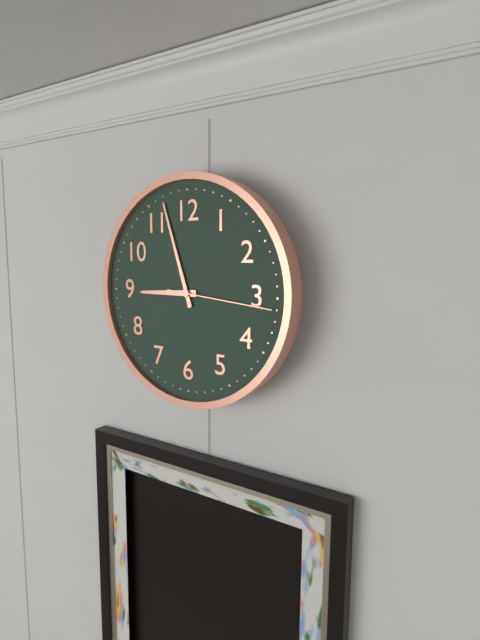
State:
8h57m16s
